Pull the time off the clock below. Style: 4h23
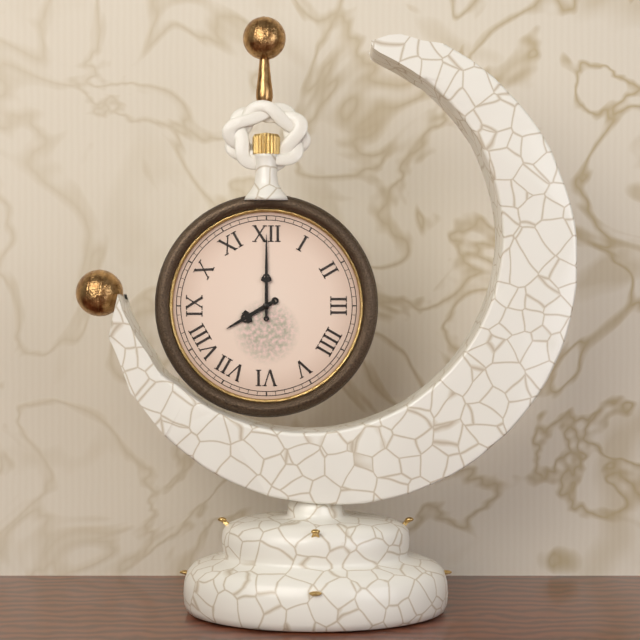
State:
8h00
